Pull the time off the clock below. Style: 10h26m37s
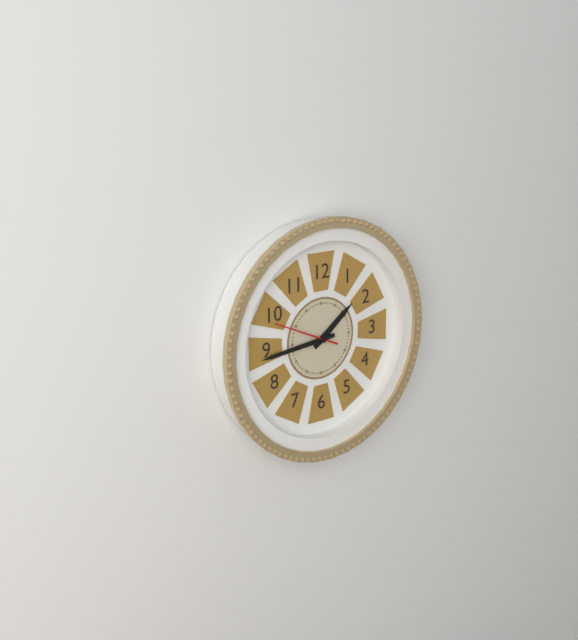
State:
1h44m49s
